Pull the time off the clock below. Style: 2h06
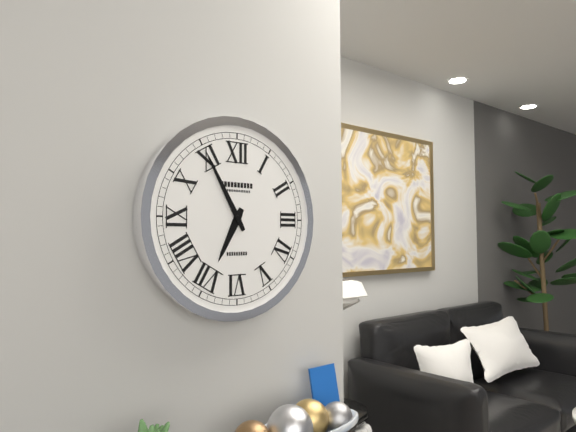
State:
6h55
